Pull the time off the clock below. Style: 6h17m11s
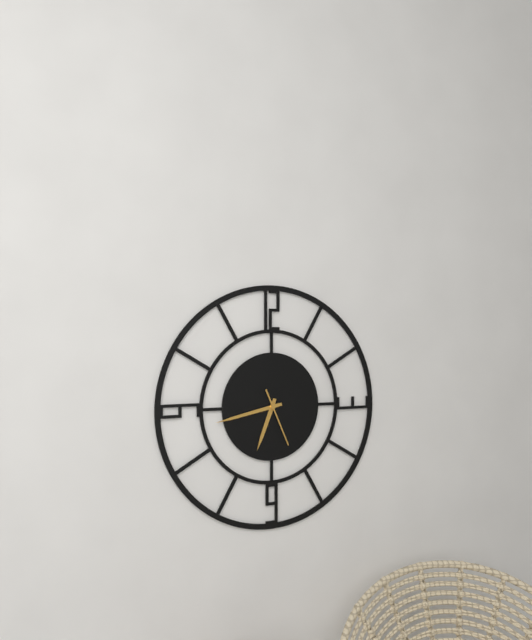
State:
6h43m26s
